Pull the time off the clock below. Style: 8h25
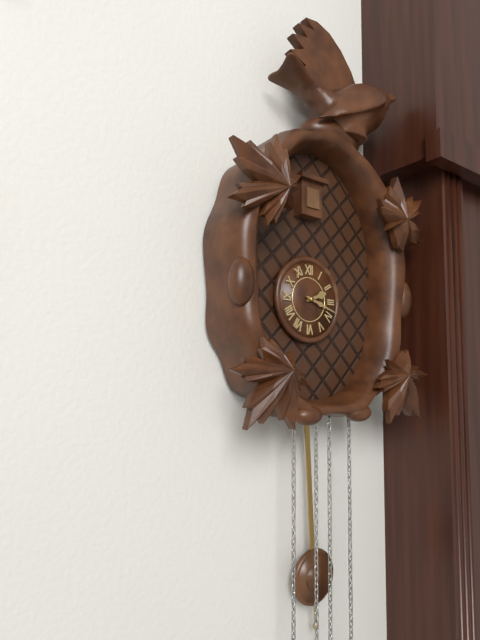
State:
2h18
